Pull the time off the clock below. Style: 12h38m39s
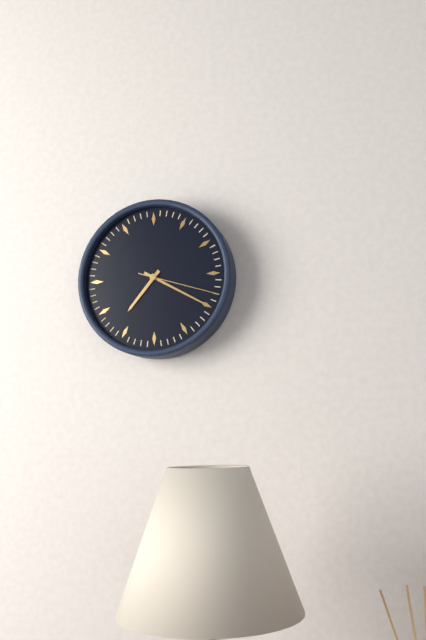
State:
7h20m18s
